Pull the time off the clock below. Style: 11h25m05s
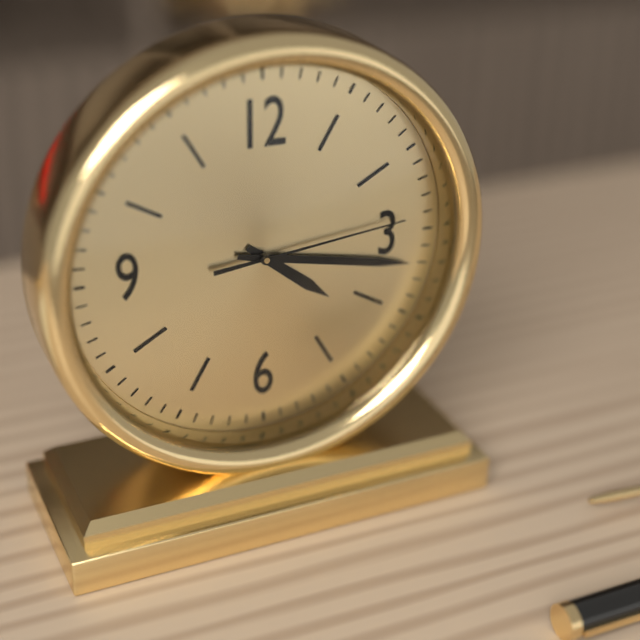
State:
4h17m14s
